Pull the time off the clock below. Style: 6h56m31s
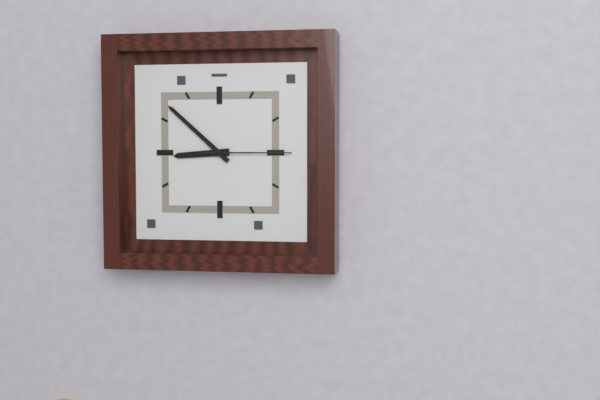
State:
8h52m15s
